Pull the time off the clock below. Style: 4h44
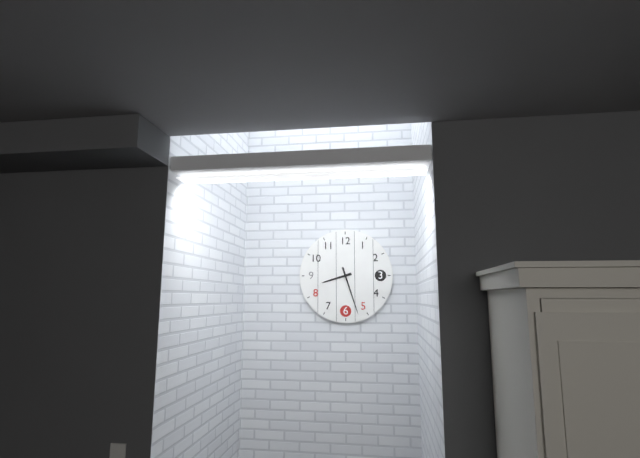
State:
8h27
